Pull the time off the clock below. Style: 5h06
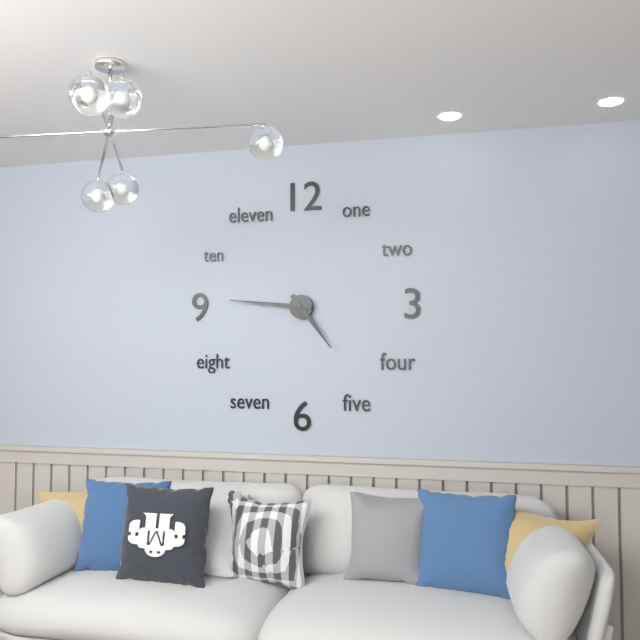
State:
4h46
